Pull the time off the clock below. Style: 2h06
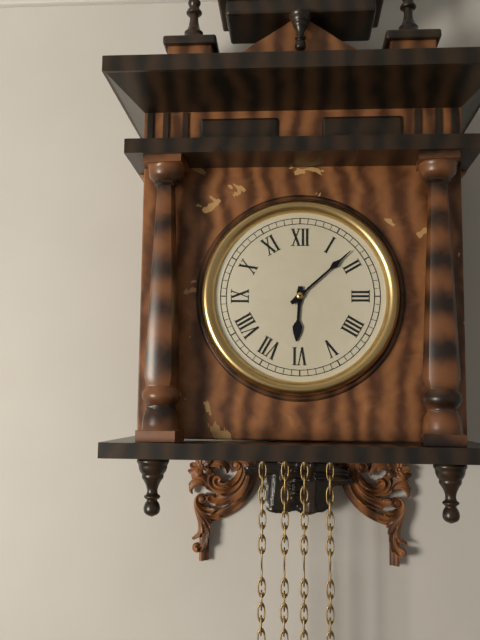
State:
6h08
